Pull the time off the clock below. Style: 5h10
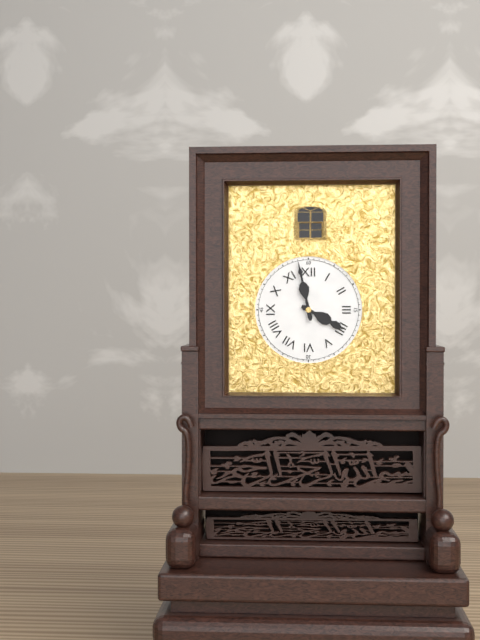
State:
3h58
